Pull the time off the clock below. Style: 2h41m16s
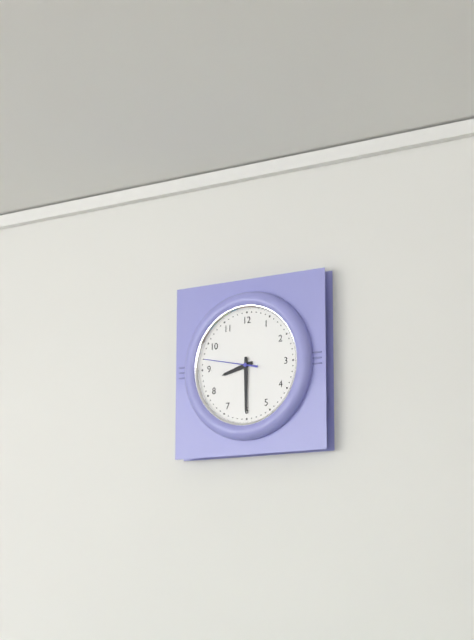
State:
8h30m47s
